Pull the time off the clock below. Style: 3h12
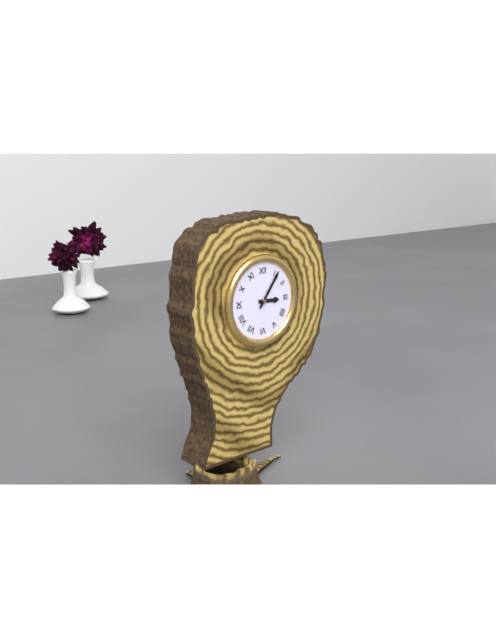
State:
3h06
